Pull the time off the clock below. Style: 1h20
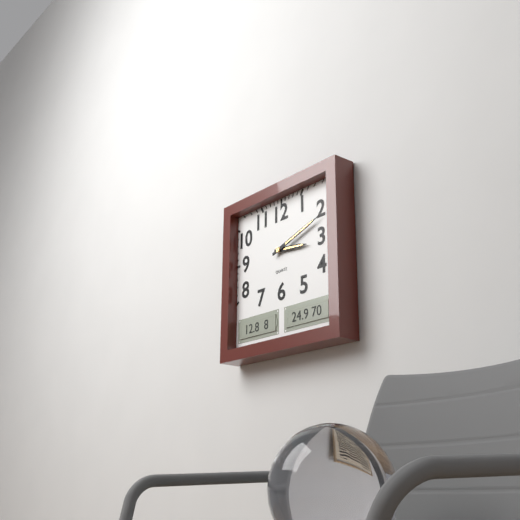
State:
3h12
